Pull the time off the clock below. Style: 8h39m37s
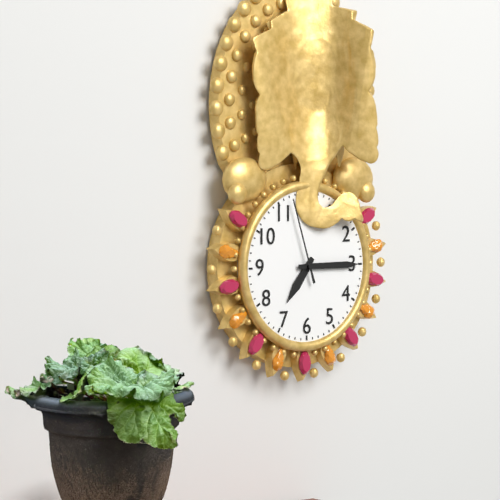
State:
7h15m57s
